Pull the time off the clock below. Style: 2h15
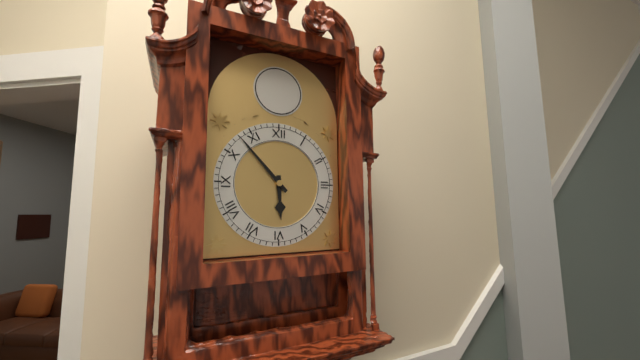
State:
5h53
